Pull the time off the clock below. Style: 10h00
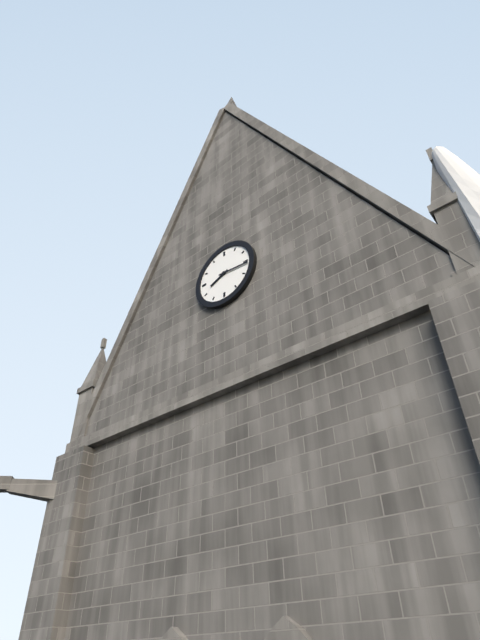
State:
8h16
